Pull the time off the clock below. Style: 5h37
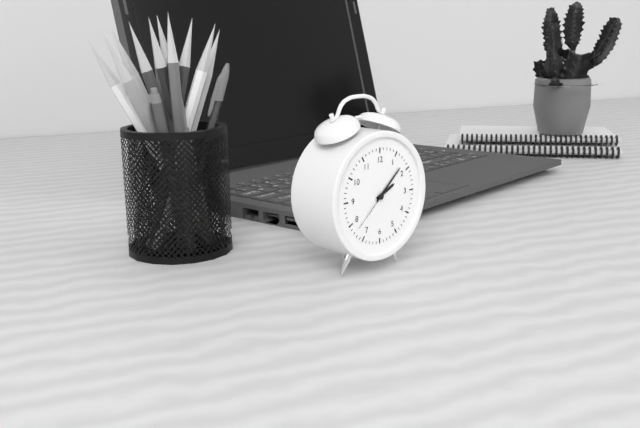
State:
2h08
